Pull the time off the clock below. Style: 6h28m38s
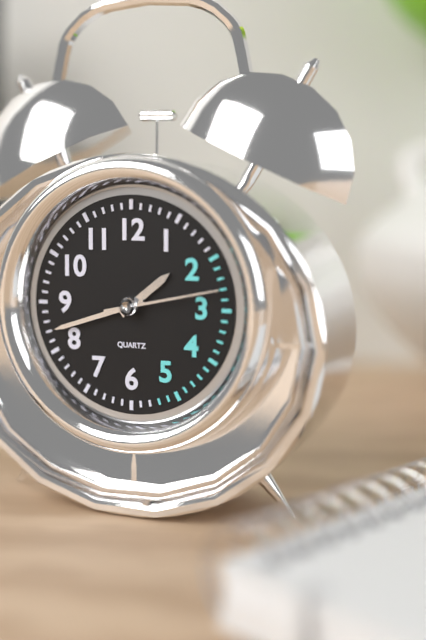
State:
1h42m13s
